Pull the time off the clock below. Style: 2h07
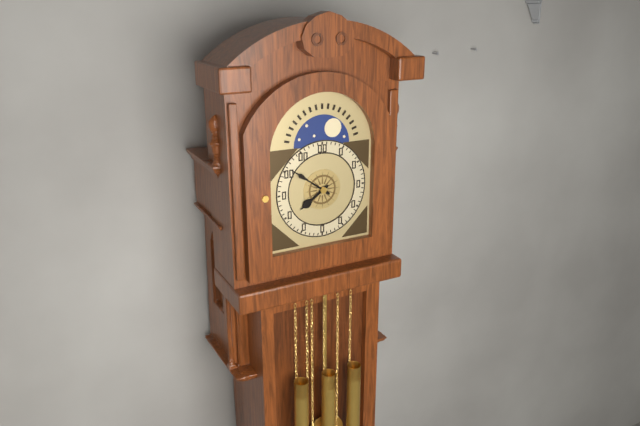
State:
7h51
